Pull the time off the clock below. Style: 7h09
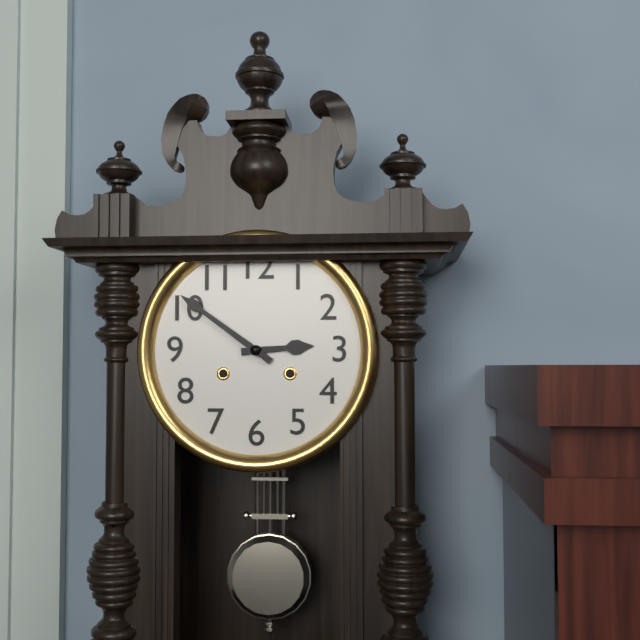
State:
2h51
